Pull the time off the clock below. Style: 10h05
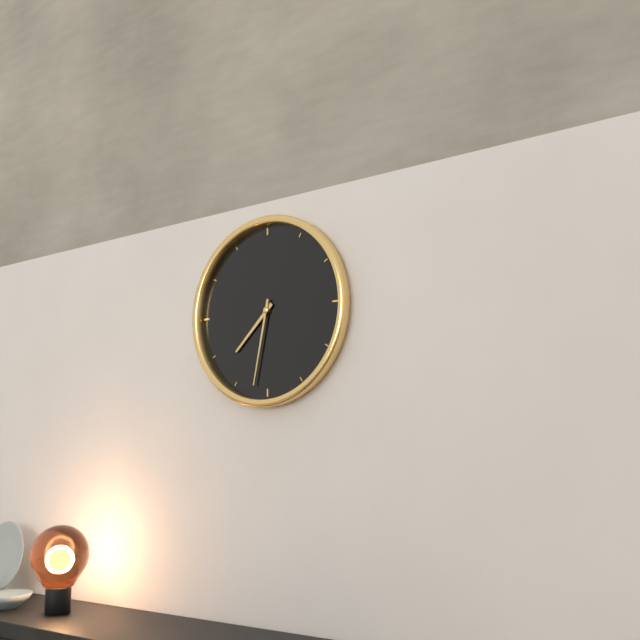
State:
7h32
